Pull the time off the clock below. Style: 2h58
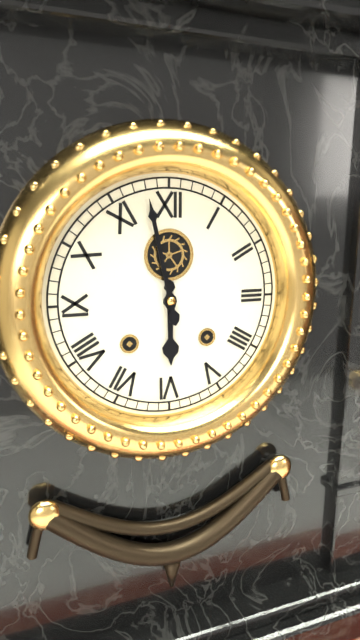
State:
5h58
